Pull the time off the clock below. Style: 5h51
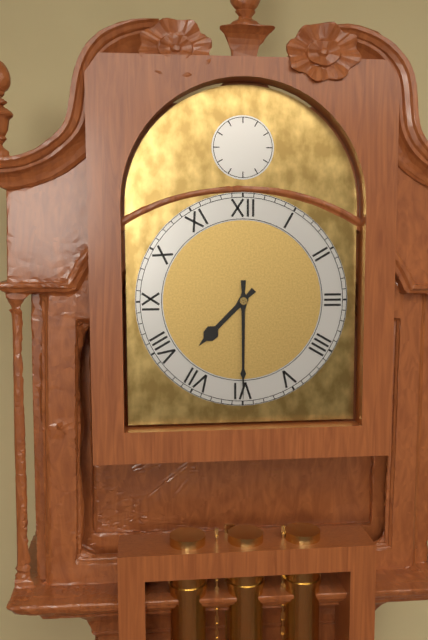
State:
7h30
